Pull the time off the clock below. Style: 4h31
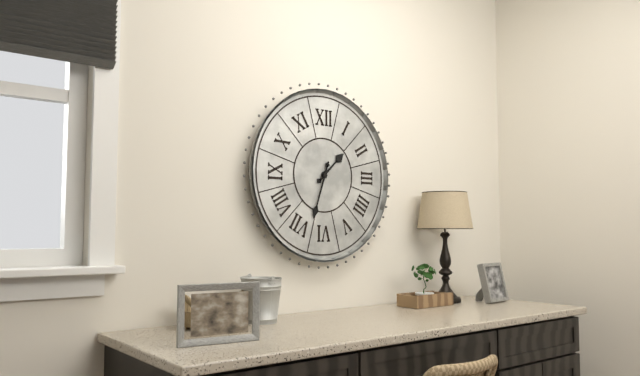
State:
1h33
